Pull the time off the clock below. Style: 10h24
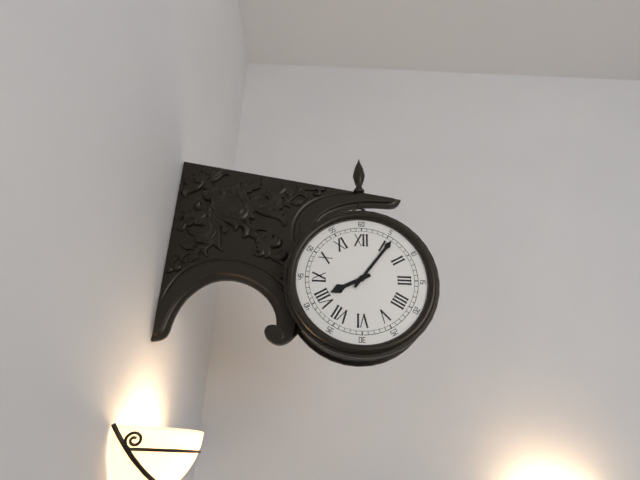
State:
8h06
